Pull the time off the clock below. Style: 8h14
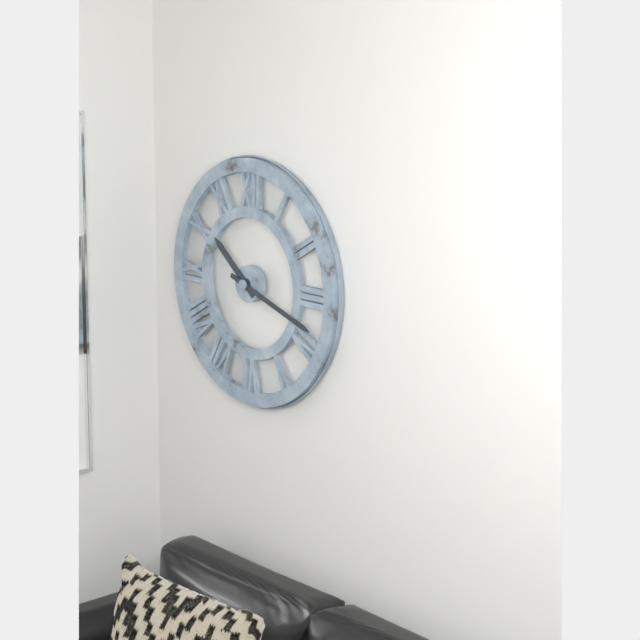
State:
10h18
